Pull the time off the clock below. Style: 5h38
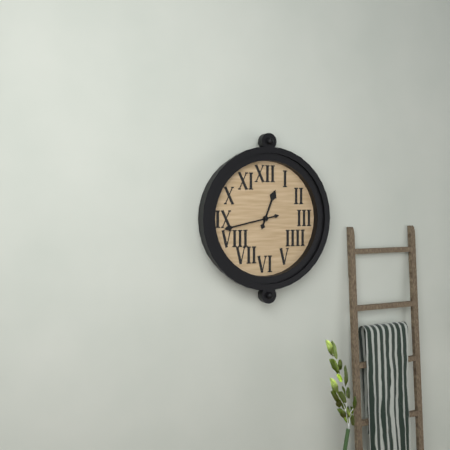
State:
12h43
